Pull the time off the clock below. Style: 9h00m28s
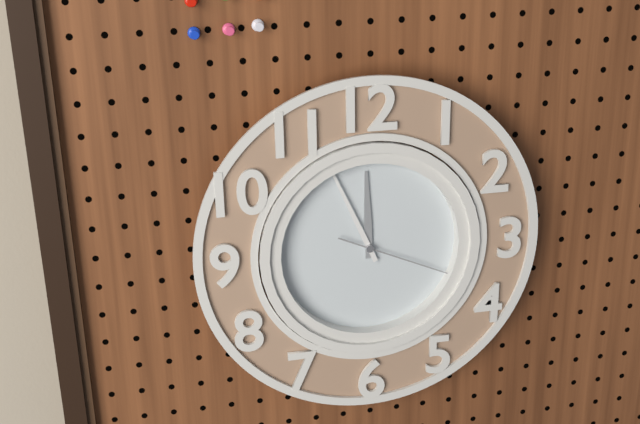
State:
11h56m19s
